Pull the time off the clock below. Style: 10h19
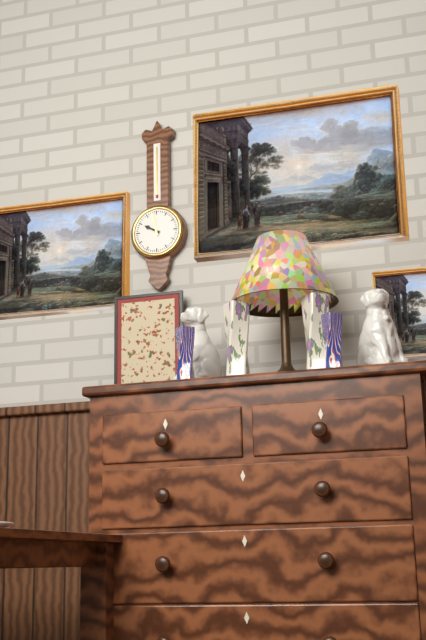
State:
9h58
